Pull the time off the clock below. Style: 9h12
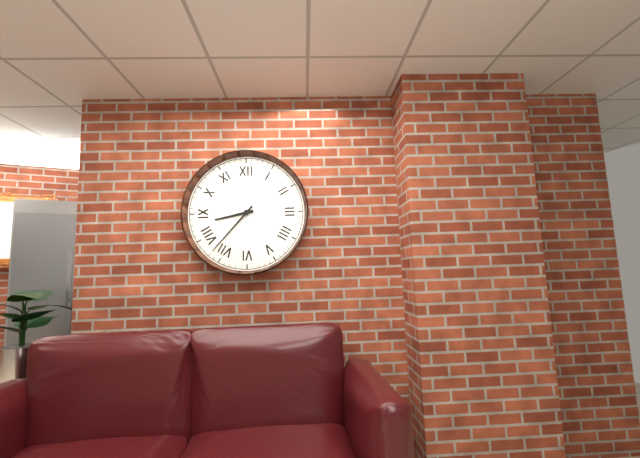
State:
8h37
